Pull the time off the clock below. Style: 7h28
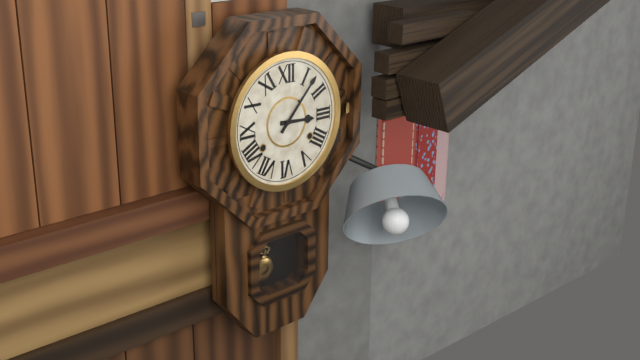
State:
3h07
